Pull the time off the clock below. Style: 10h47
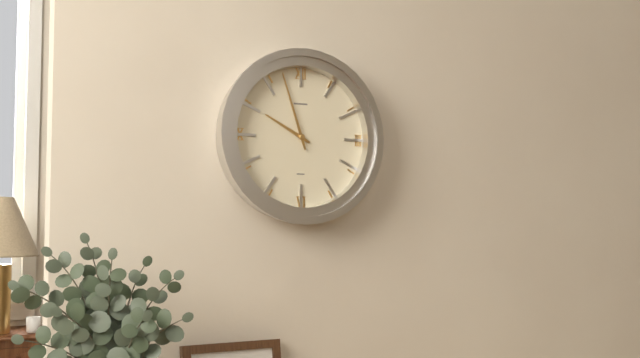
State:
9h57
